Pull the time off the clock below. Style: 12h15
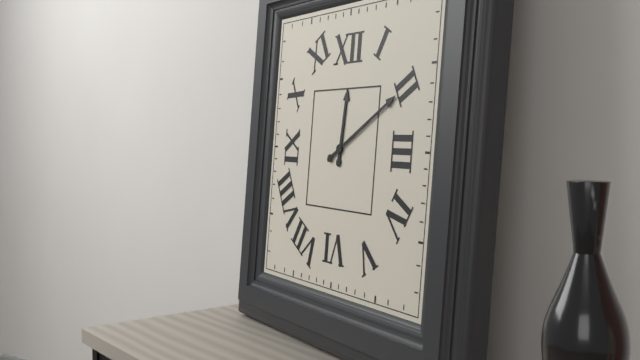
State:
12h10
